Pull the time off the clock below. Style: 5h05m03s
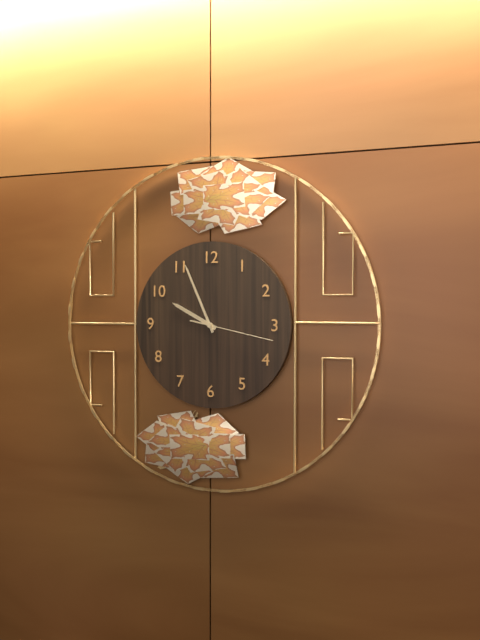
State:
9h56m17s
